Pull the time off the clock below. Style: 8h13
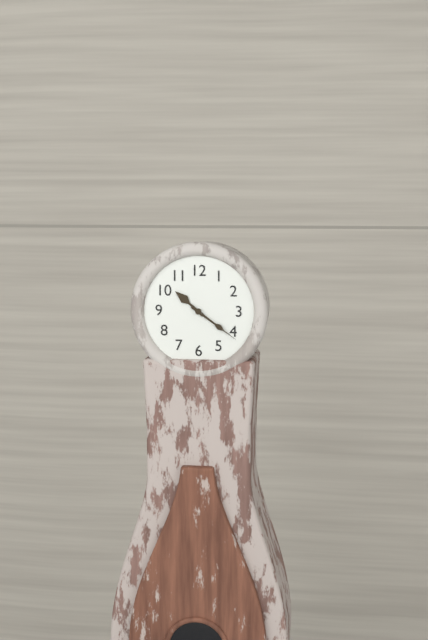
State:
10h21
